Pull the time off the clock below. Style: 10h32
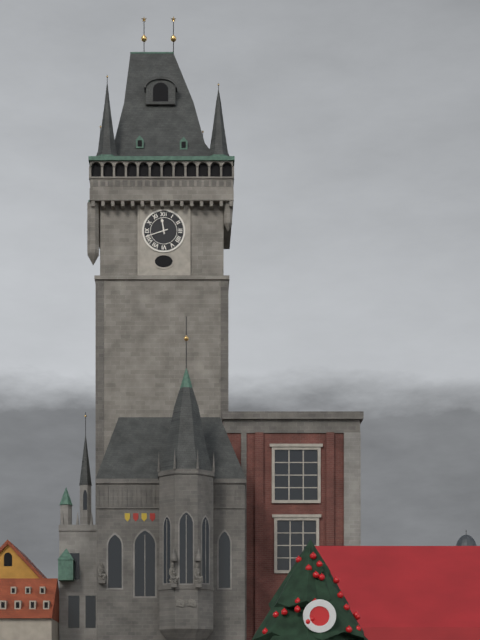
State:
11h42
